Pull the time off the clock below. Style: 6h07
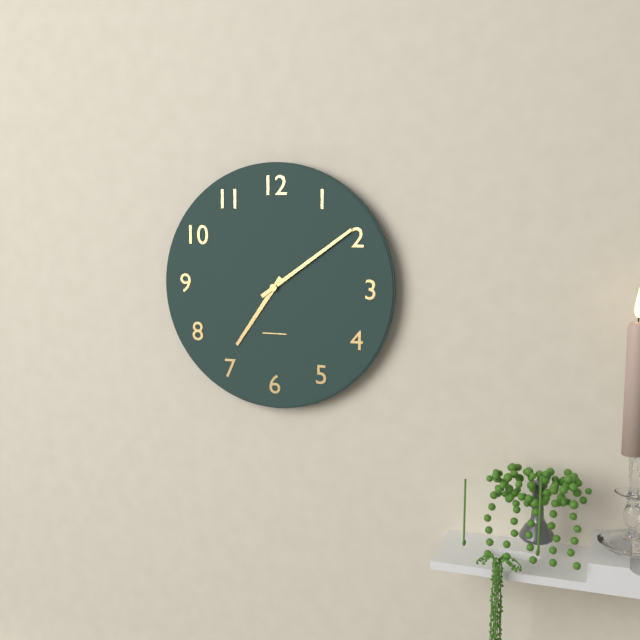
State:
7h09
